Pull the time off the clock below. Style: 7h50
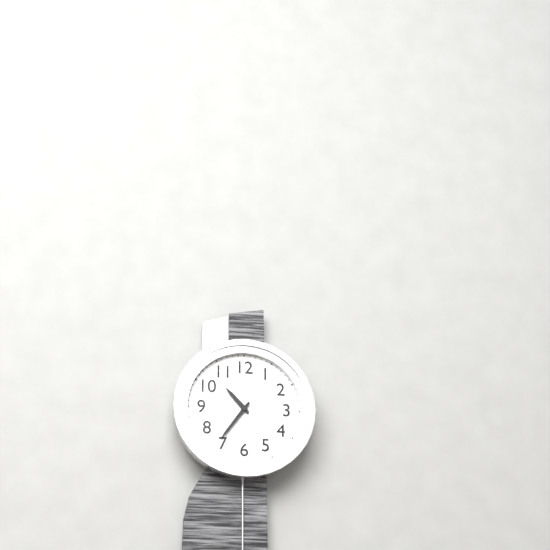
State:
10h36
